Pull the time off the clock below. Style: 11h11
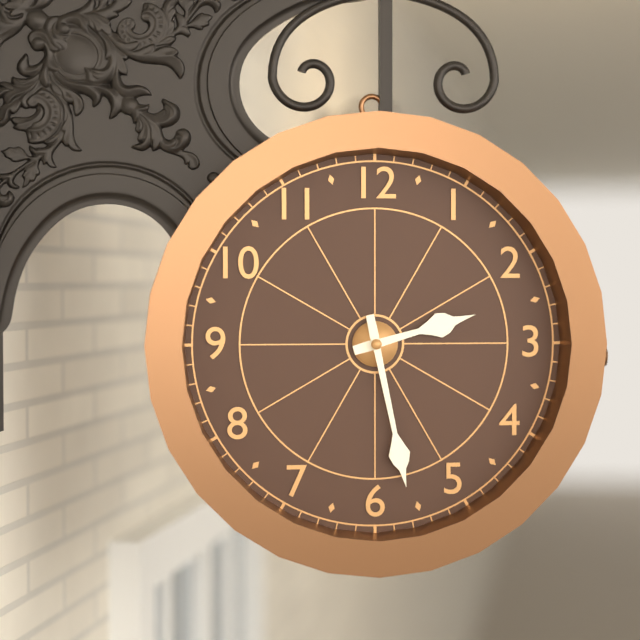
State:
2h28
